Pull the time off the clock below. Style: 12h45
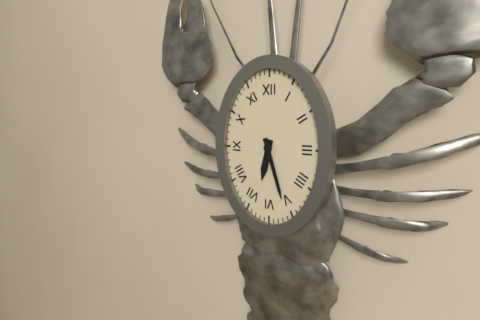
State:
6h27
